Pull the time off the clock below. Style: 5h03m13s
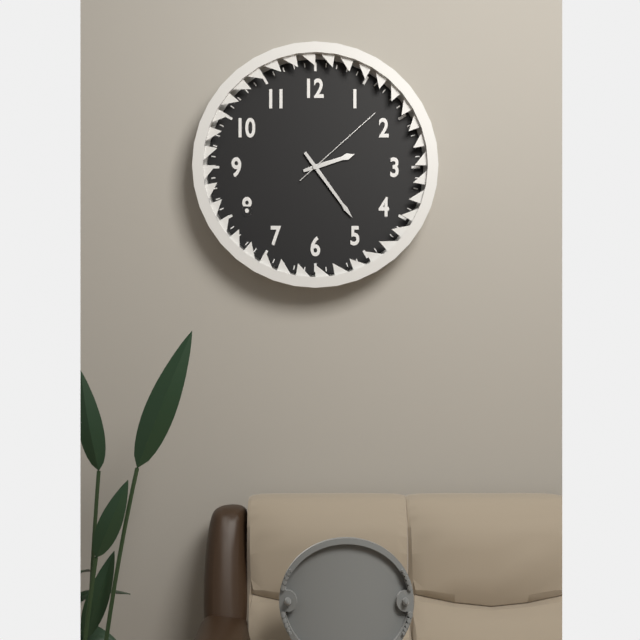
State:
2h24m08s
